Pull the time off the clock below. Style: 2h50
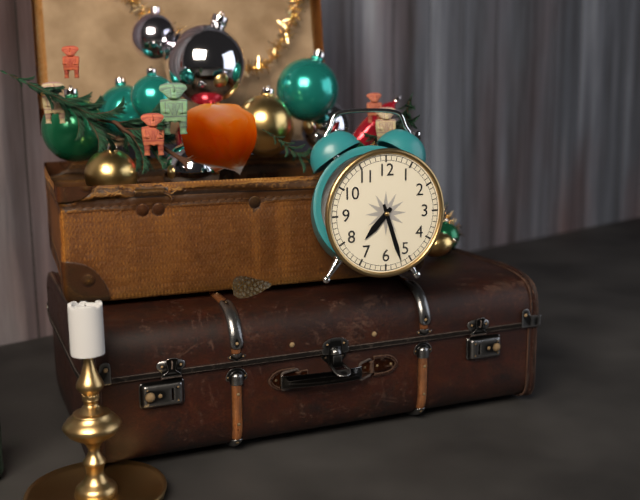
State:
7h27
